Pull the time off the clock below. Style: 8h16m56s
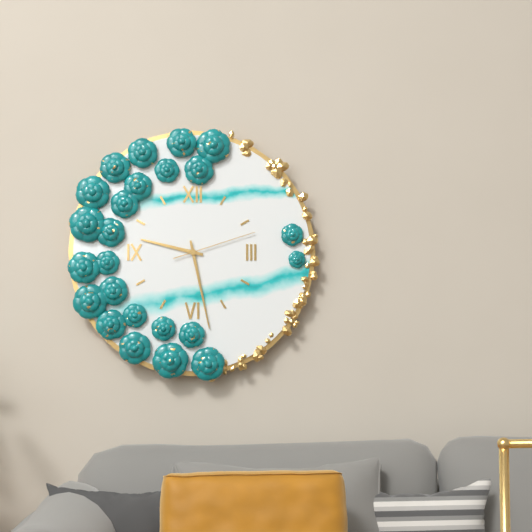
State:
9h28m12s
